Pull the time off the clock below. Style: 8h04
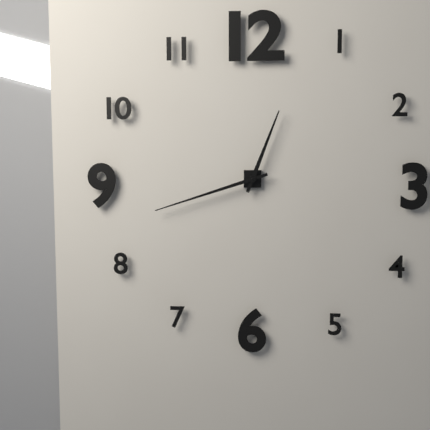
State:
12h42
